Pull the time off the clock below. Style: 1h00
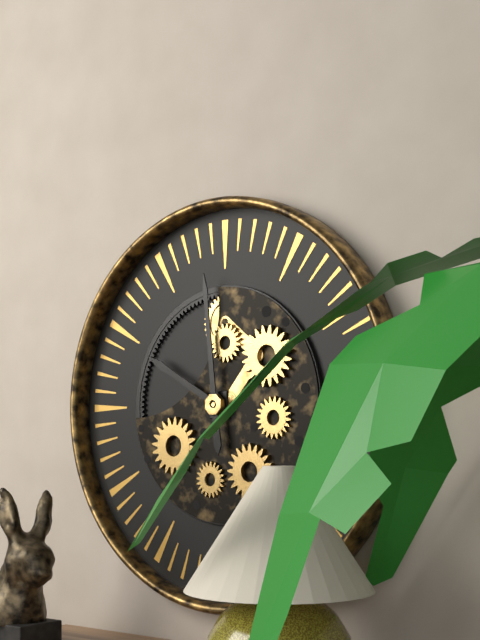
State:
9h59
